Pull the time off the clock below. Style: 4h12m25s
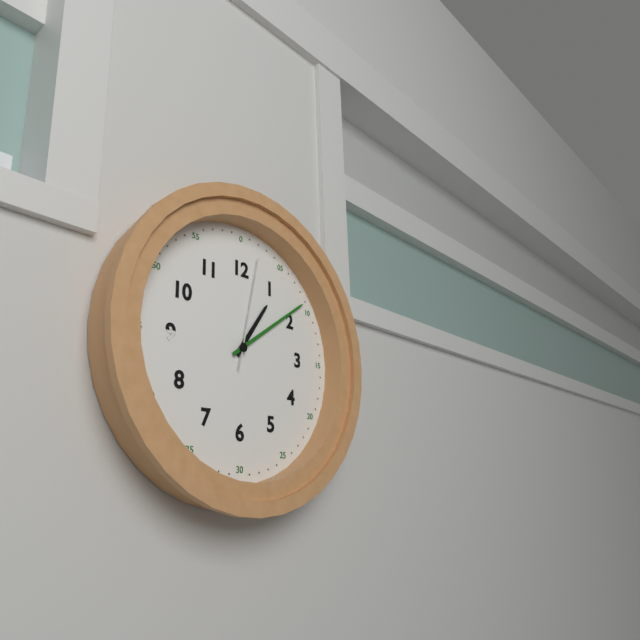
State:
1h09m02s
